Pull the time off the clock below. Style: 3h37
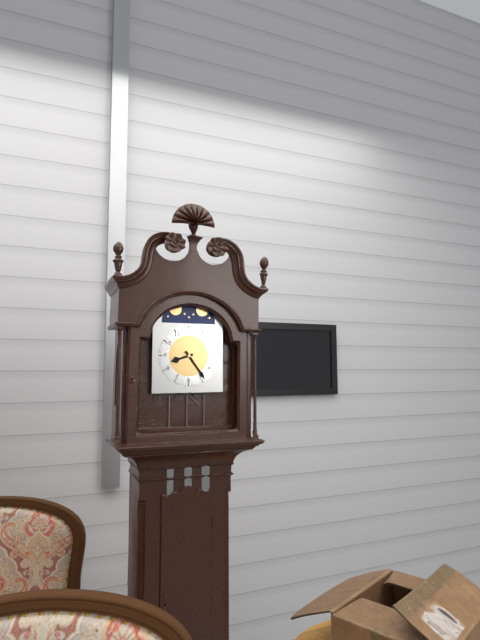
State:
8h24
